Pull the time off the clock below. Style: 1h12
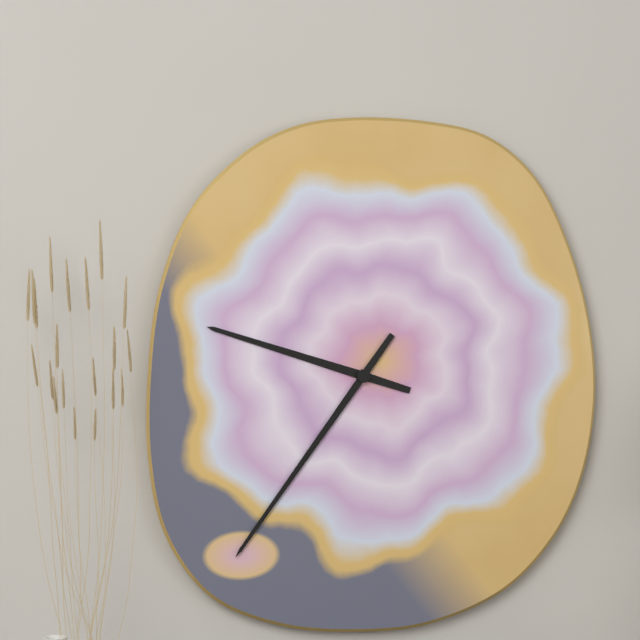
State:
9h36
